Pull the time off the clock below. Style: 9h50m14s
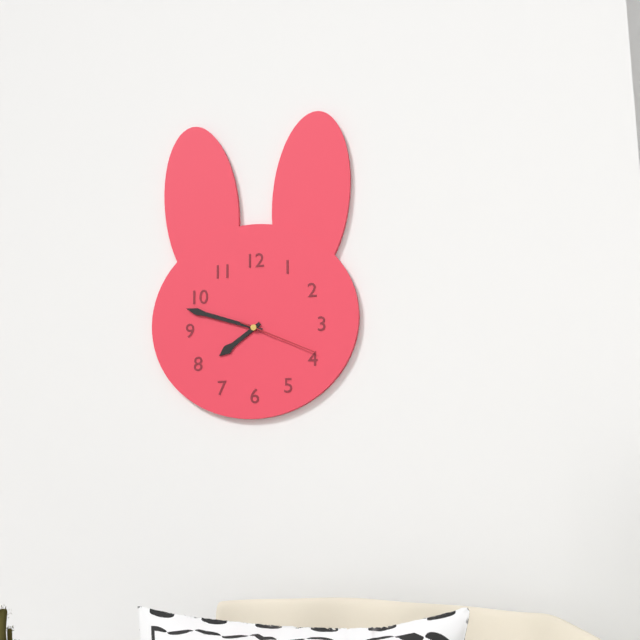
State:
7h48m19s
